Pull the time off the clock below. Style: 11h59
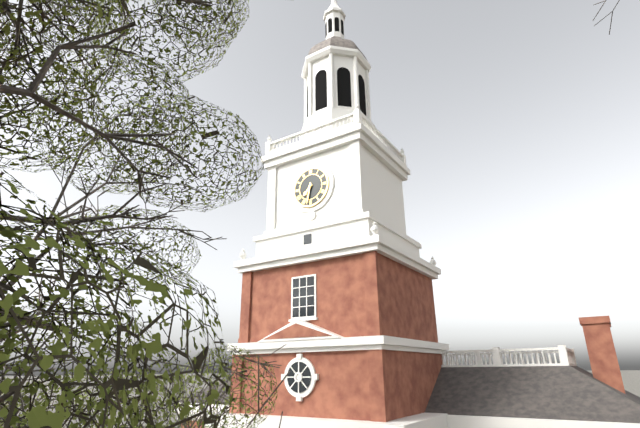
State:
7h32
